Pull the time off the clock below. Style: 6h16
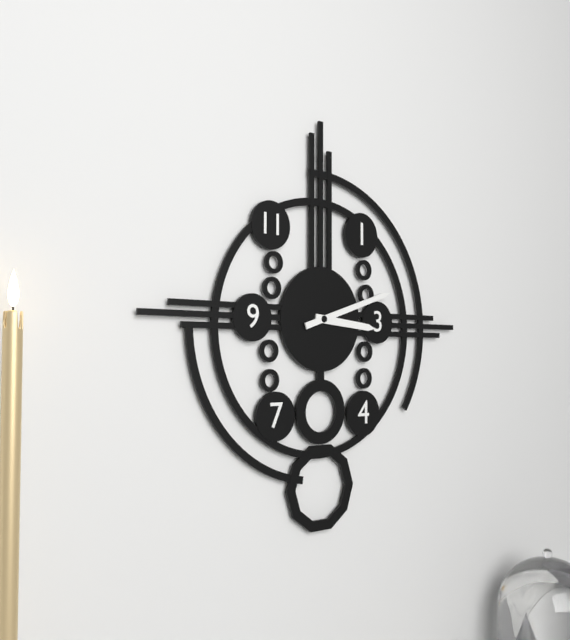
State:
3h12
